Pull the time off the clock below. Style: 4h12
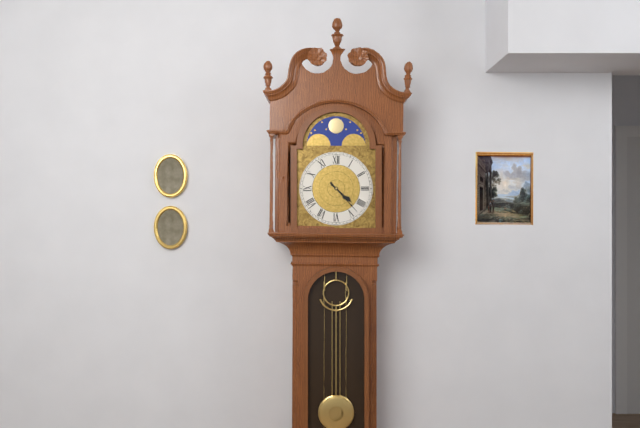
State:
4h23
